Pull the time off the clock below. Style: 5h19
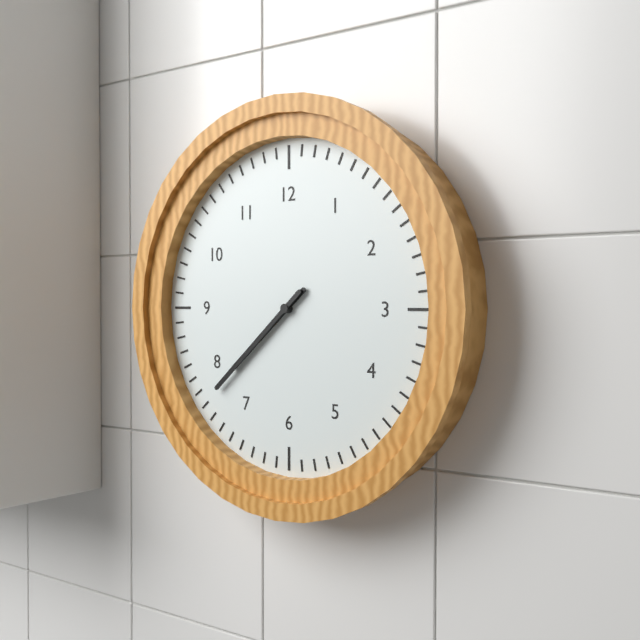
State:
7h38
